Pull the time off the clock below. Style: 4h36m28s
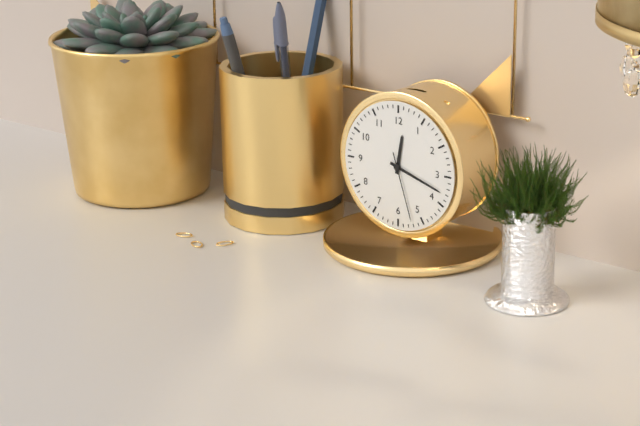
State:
12h18m27s
